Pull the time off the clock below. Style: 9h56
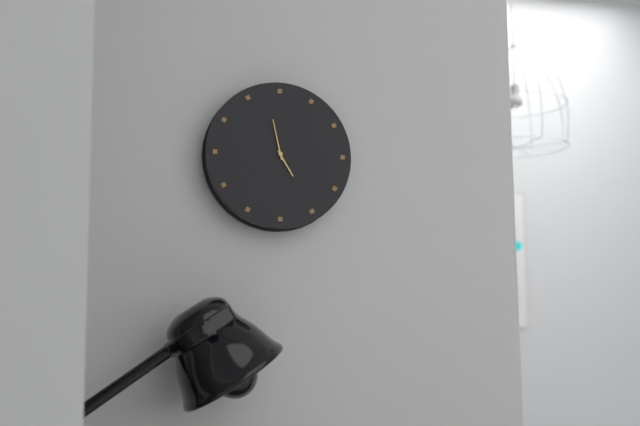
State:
4h58
